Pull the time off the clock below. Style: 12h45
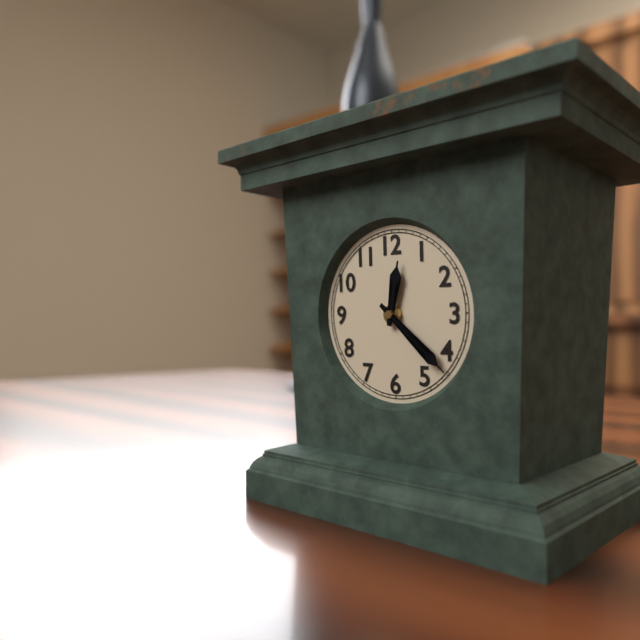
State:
12h22
